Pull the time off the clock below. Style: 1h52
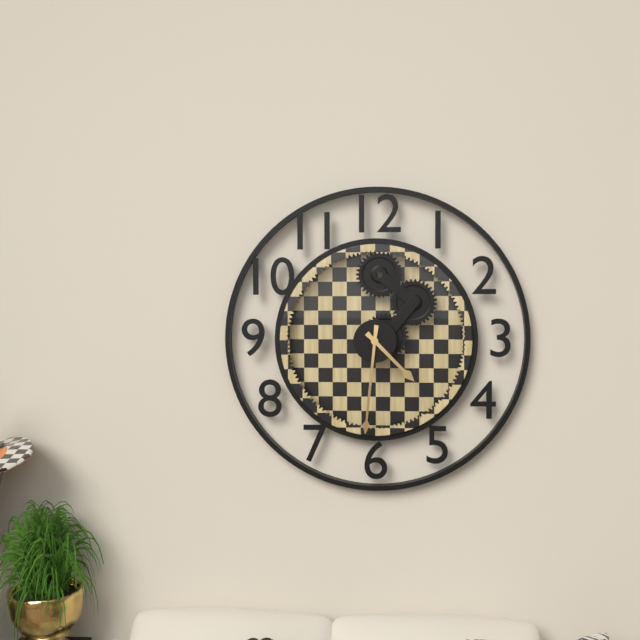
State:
4h31
